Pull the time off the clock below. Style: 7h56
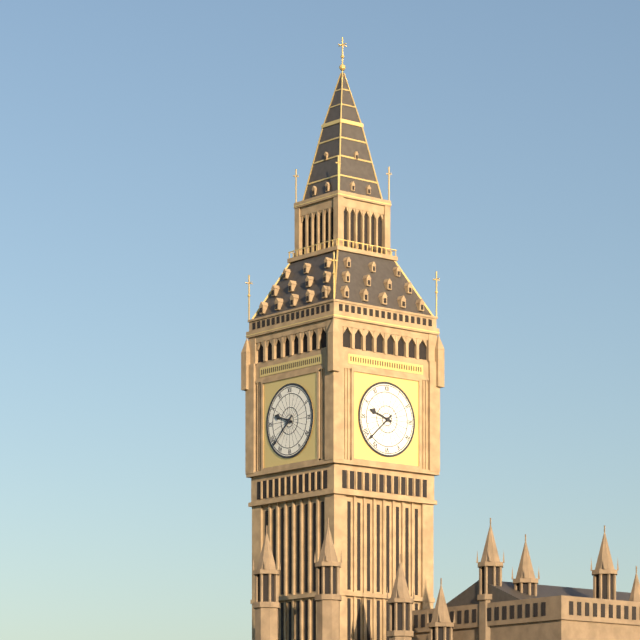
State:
9h38
